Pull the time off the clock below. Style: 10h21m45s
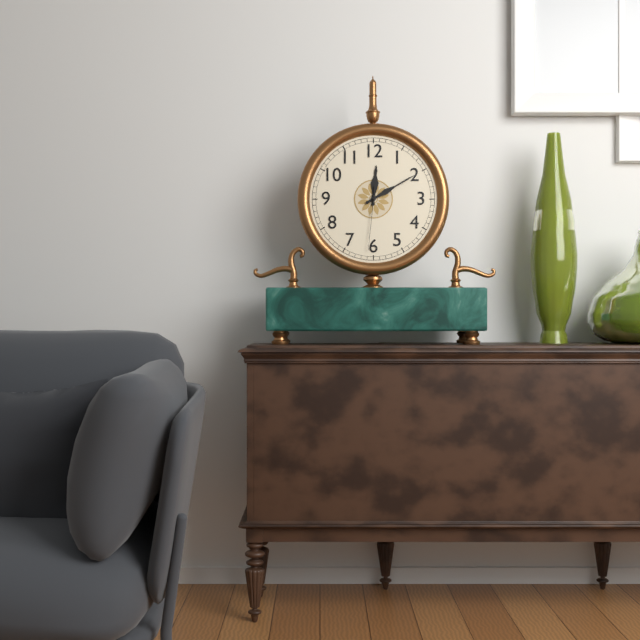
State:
12h10m31s
